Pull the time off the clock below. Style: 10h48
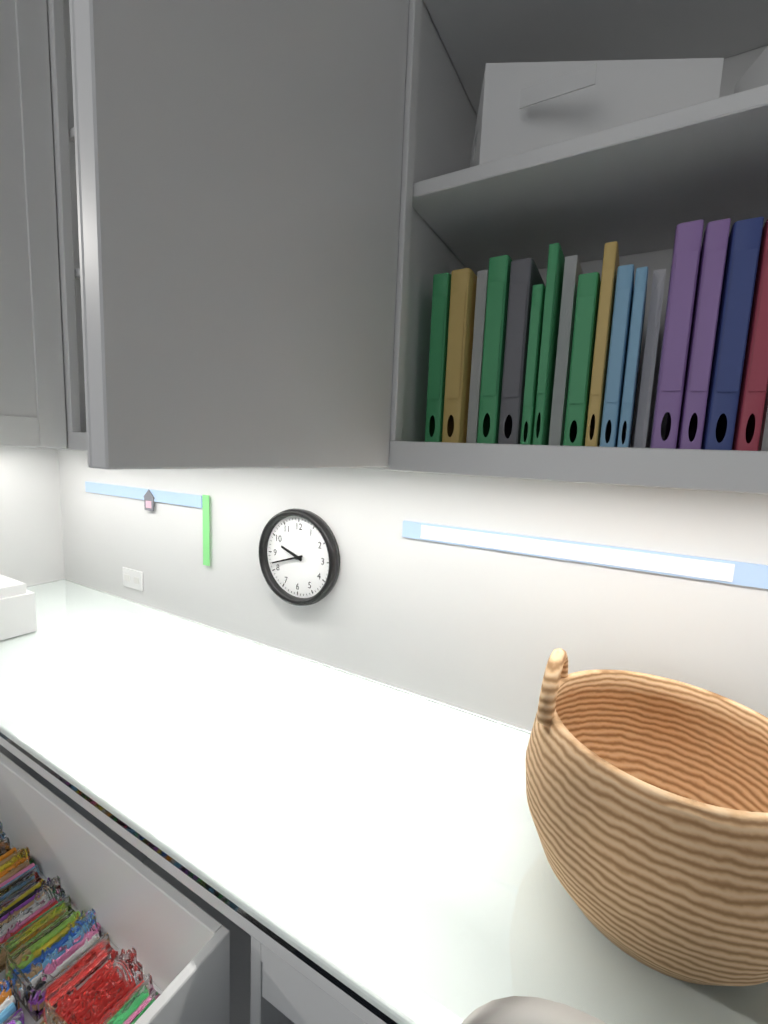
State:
9h42
